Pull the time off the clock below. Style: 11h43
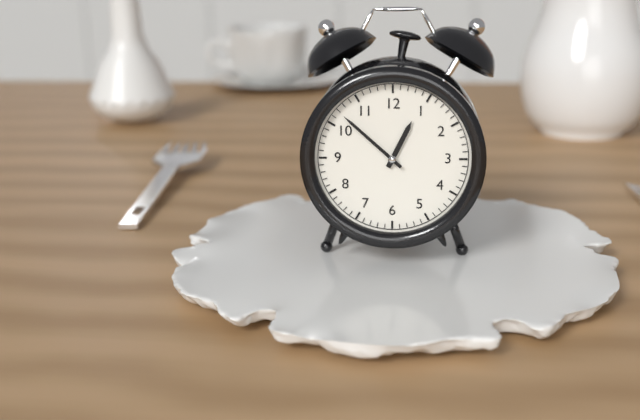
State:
12h52
